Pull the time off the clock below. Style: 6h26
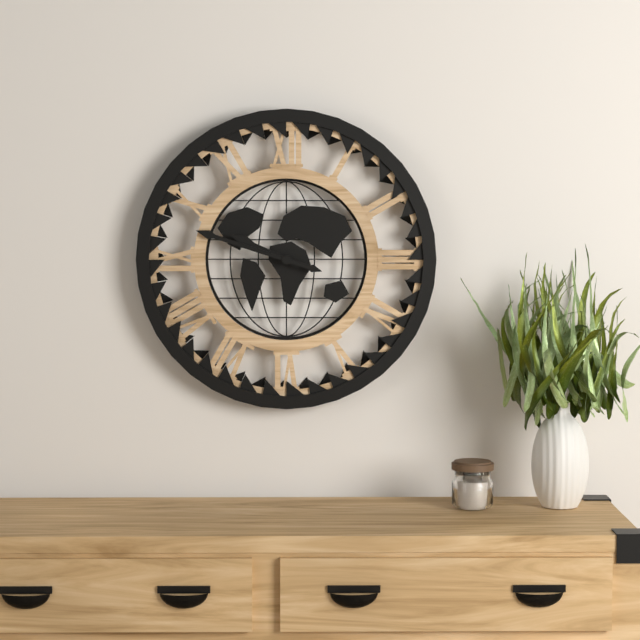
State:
9h48
